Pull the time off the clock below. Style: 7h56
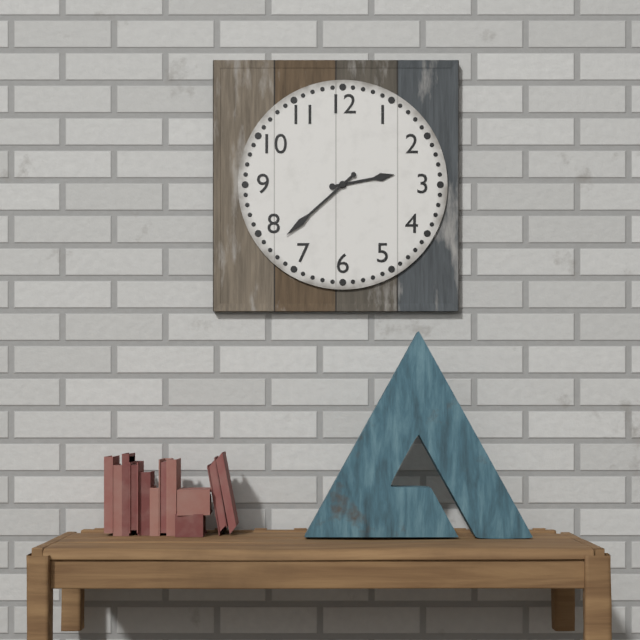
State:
2h38
